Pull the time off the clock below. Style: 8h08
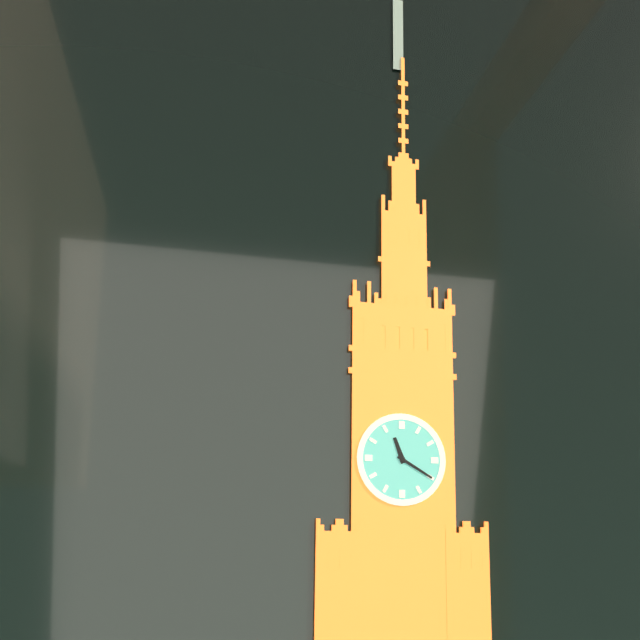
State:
11h20
